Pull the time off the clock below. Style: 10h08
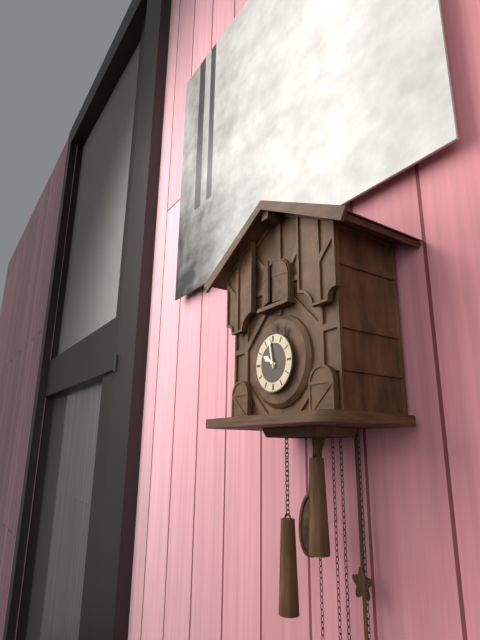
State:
9h58
